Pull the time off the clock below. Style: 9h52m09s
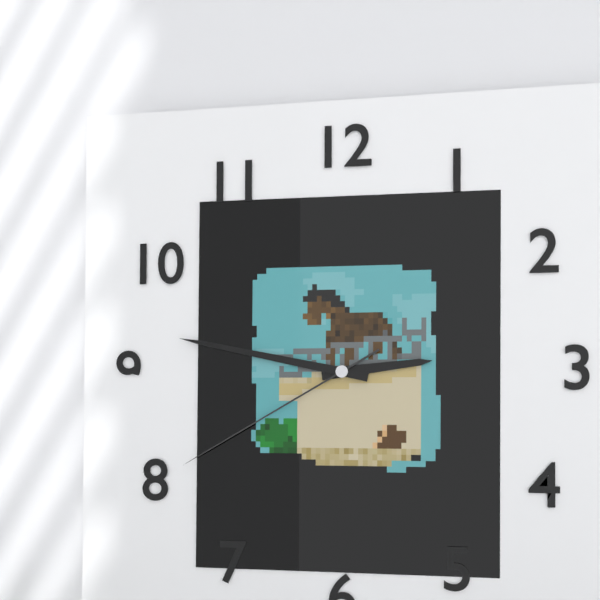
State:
2h47m40s
